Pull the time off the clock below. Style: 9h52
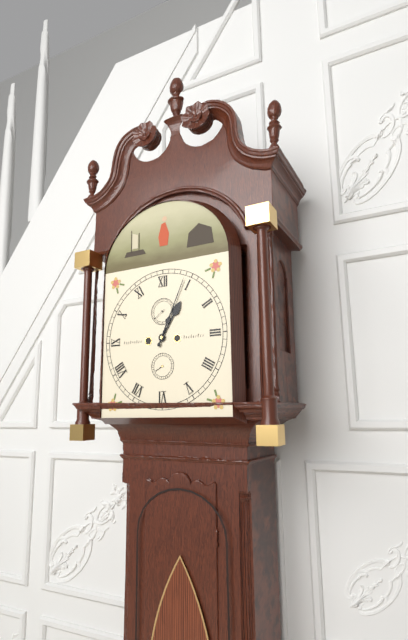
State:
1h04
